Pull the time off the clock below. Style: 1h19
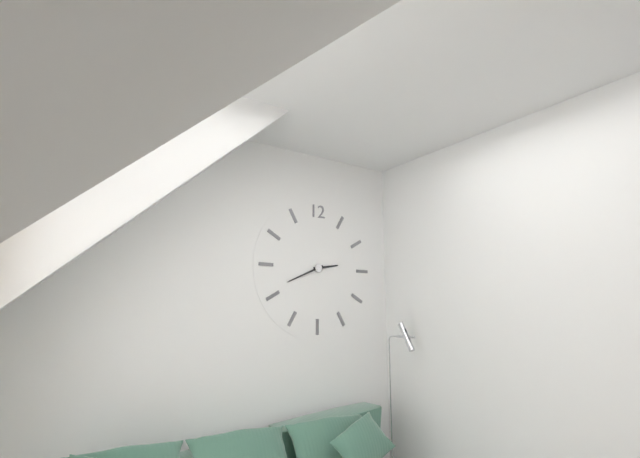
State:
2h41
